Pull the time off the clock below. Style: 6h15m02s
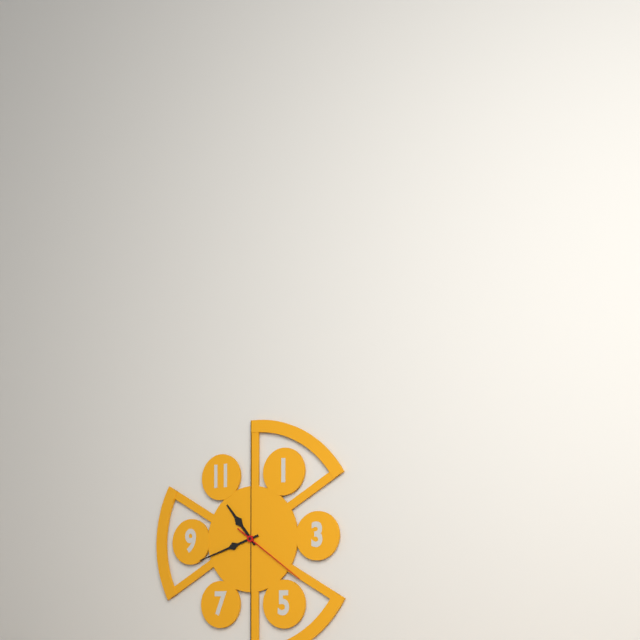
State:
10h42m21s
